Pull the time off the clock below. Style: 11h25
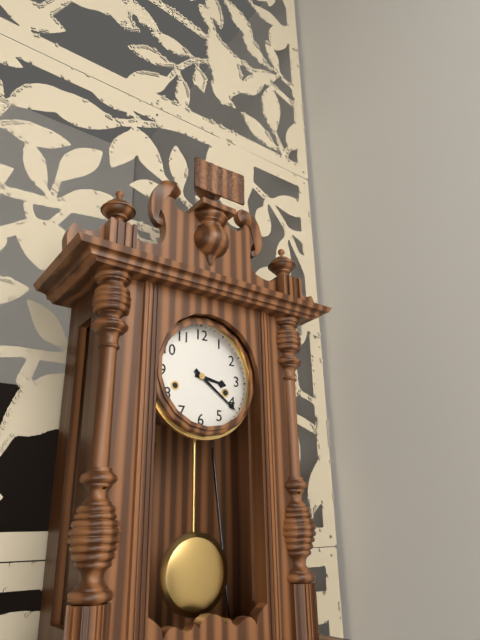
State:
3h21
